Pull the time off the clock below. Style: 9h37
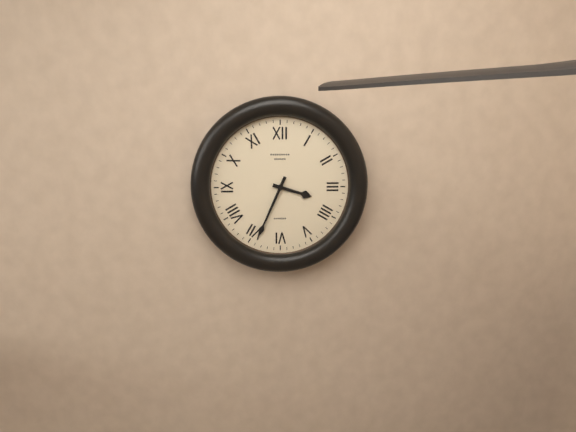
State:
3h34
